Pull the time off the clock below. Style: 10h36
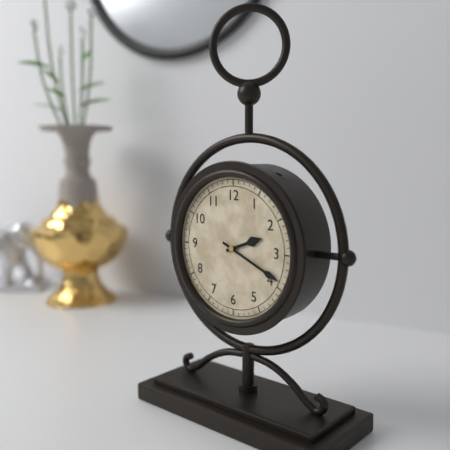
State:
2h19
